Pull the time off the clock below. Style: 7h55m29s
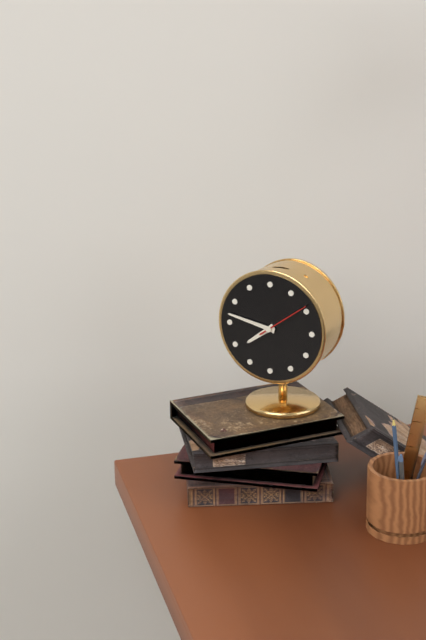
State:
7h47m09s
